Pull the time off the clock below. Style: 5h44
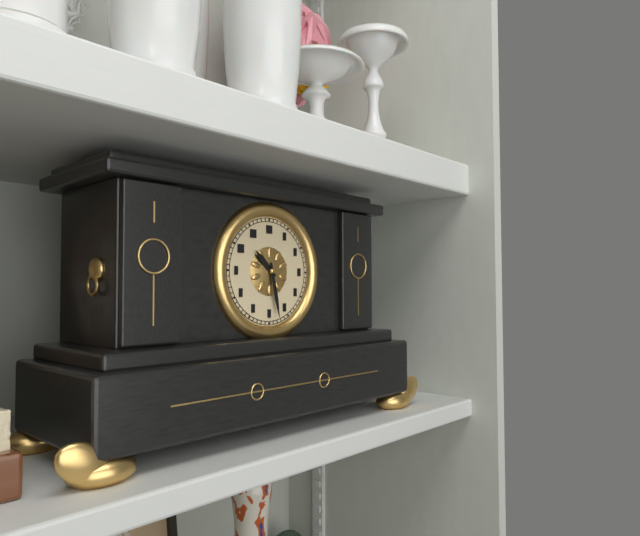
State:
10h28
